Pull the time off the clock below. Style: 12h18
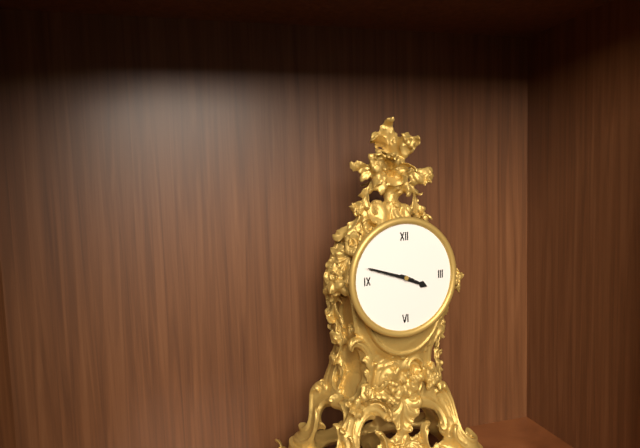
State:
3h48
